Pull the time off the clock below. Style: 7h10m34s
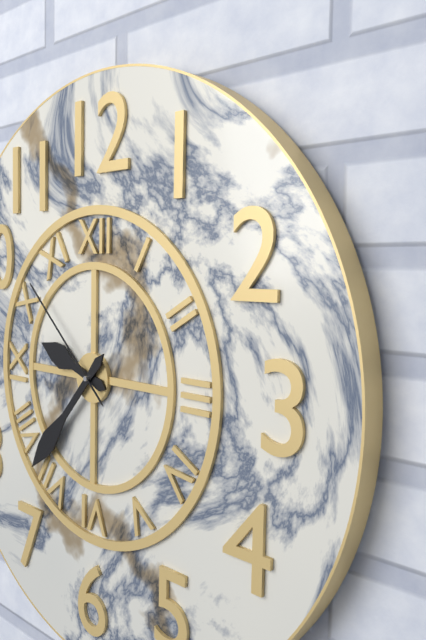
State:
9h37m52s
